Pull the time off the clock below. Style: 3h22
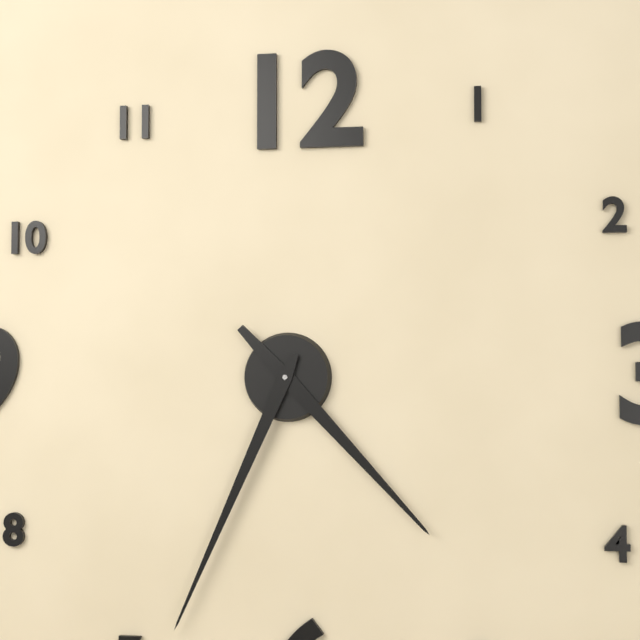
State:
4h34
